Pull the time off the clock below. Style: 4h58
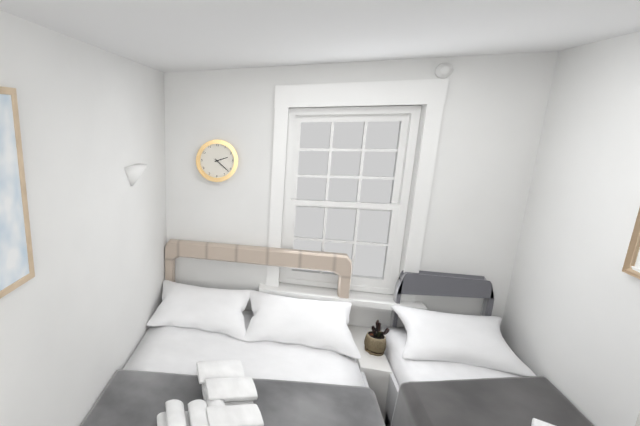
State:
2h22
